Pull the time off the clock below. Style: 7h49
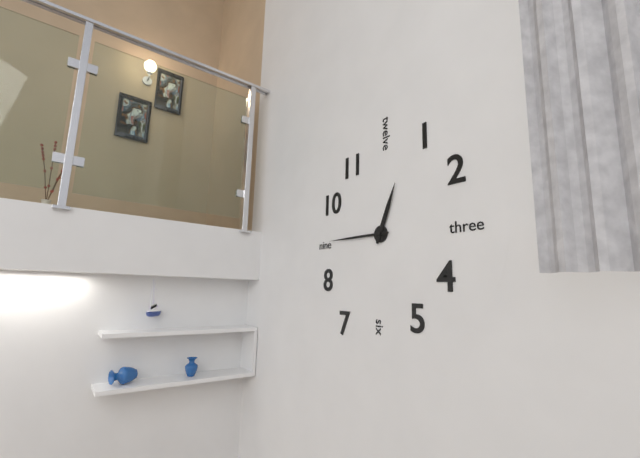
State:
12h45
